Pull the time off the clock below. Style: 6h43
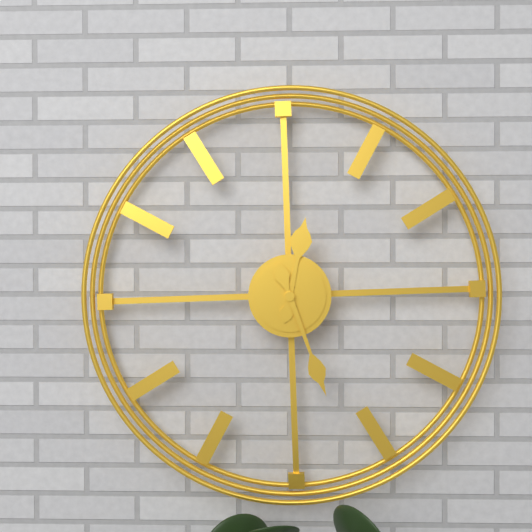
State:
12h27
